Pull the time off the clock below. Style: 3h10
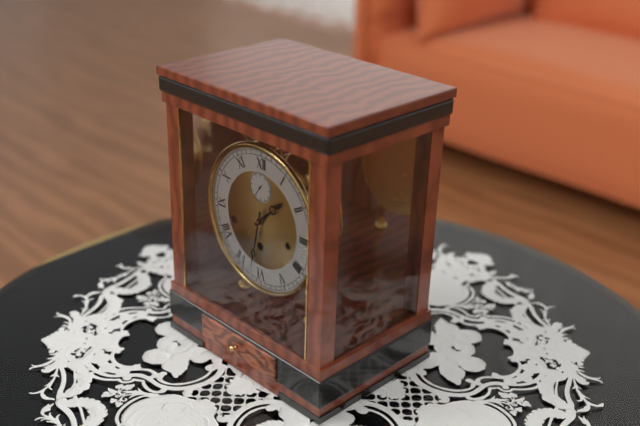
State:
1h32
